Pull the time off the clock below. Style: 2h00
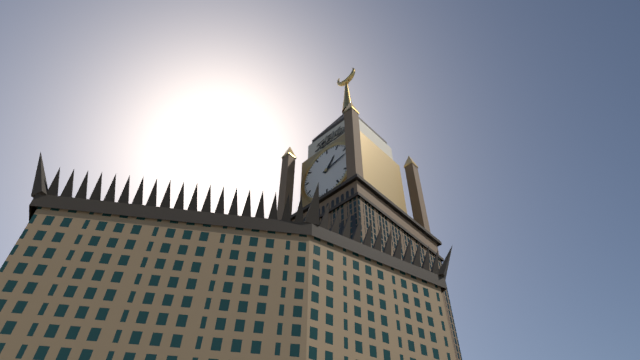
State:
1h13
